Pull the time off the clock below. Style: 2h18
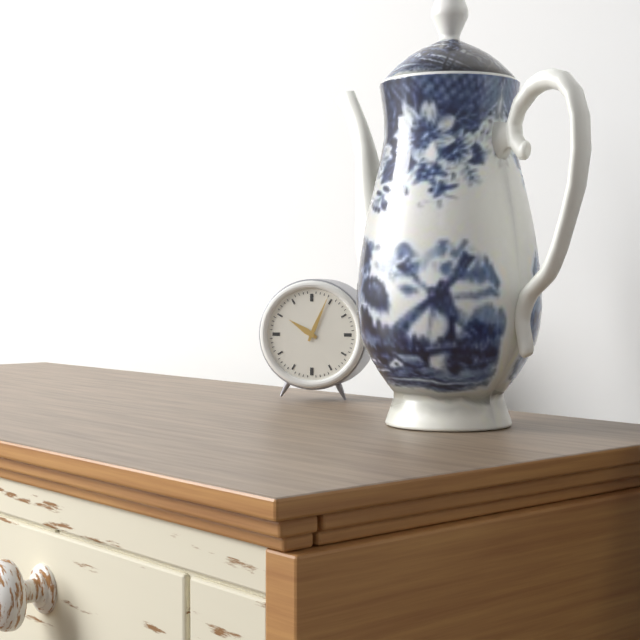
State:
10h04
